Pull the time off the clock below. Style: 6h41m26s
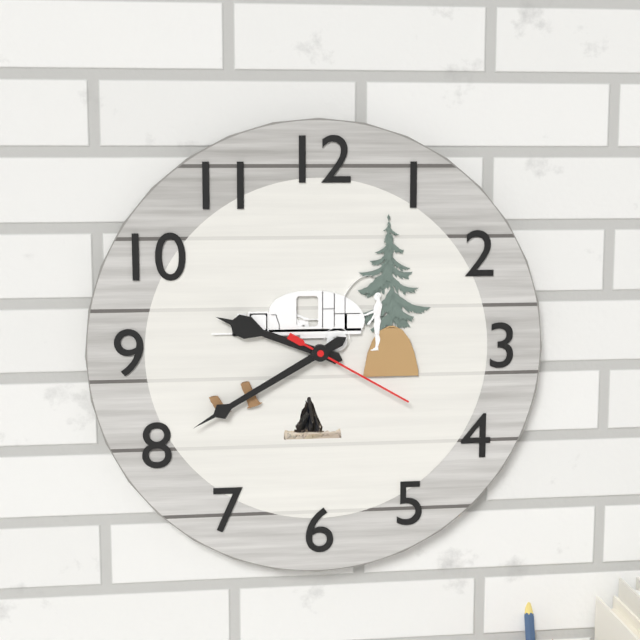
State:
9h40m20s
